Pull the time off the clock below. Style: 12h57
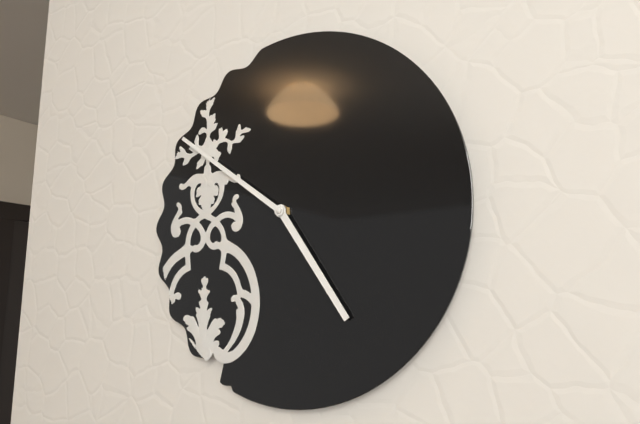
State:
4h51
